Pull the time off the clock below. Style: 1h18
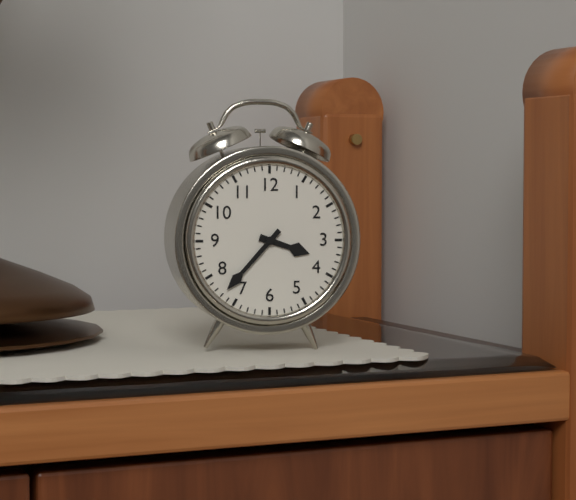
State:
3h37
